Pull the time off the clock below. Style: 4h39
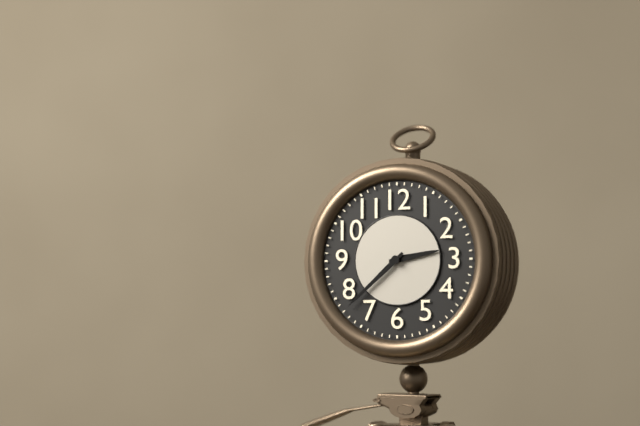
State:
2h38
